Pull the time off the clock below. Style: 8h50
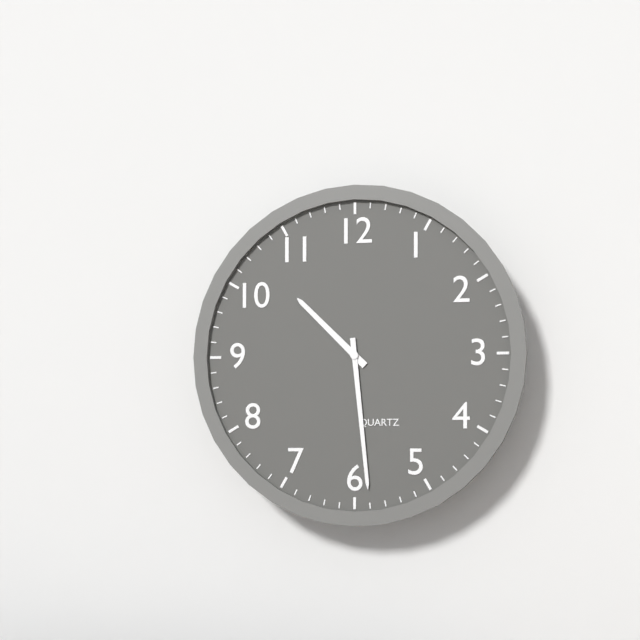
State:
10h29
